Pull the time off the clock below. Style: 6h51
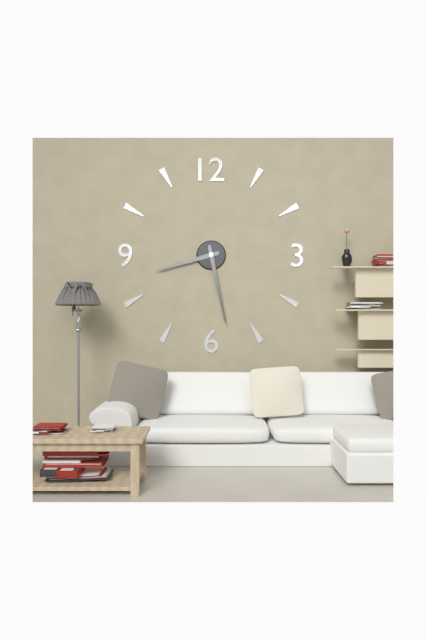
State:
8h28
